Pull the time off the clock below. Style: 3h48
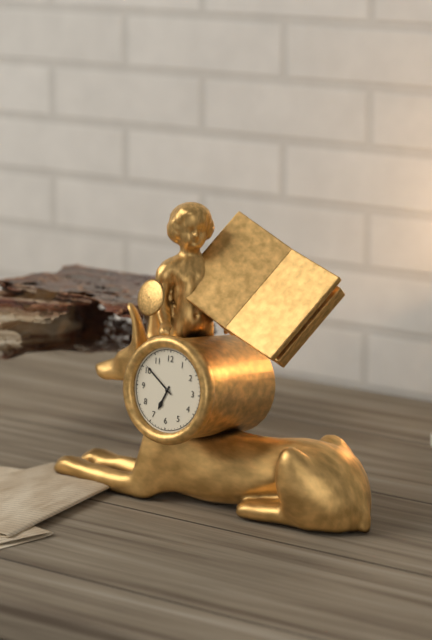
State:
6h51
